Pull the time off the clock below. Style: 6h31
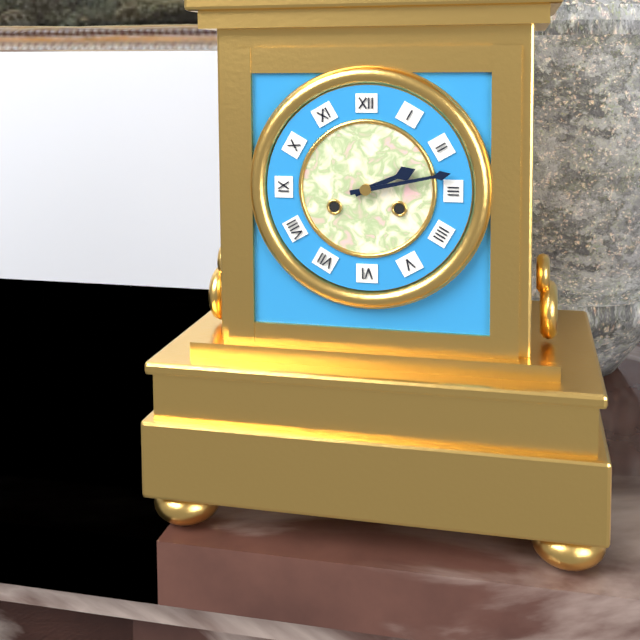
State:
2h13
